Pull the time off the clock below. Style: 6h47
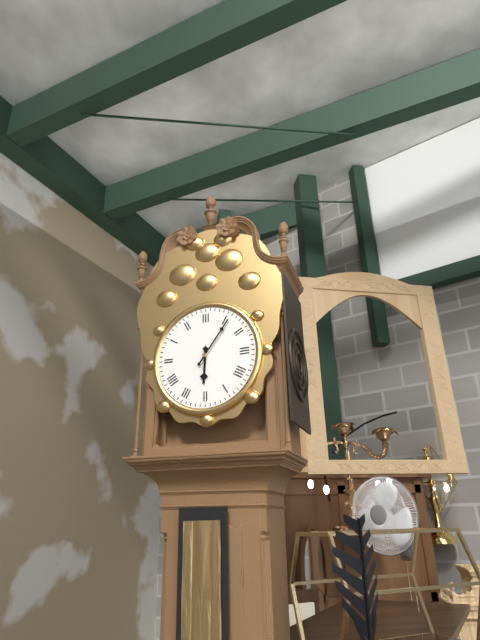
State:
6h06
